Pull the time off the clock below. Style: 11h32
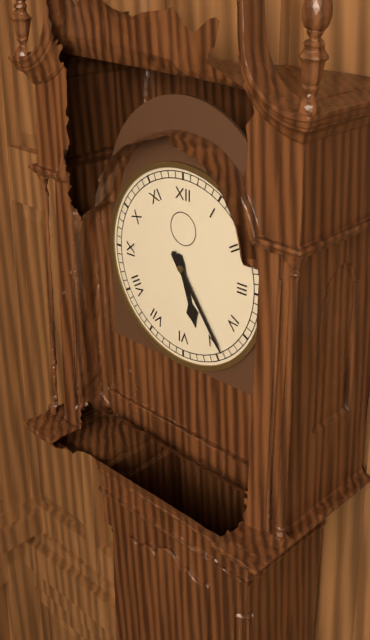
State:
5h24
